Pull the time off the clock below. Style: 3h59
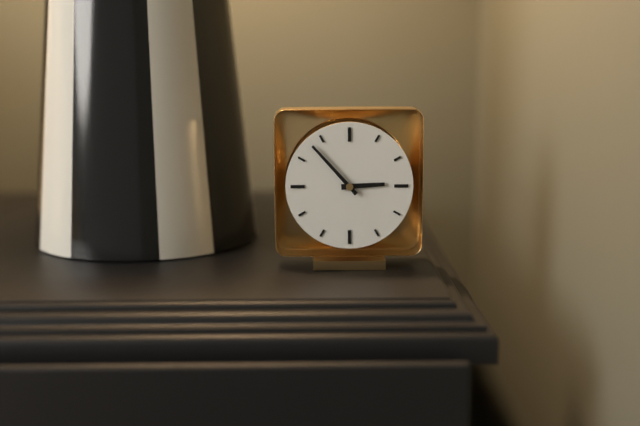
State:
2h53
